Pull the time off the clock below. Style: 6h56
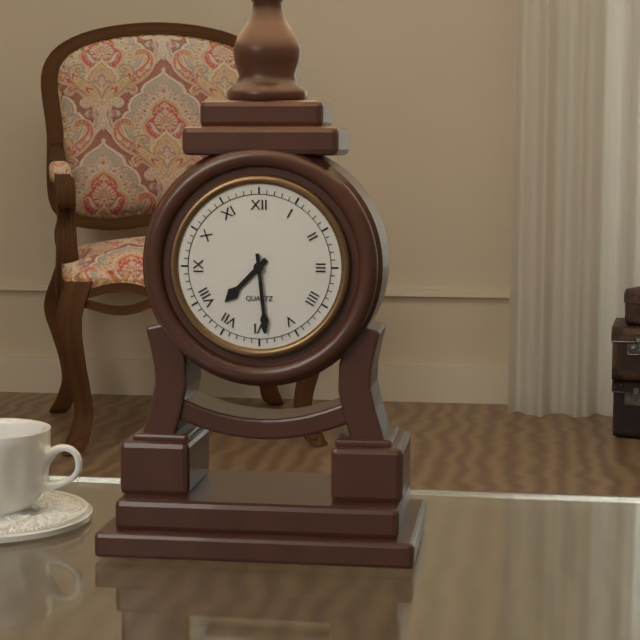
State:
7h29
